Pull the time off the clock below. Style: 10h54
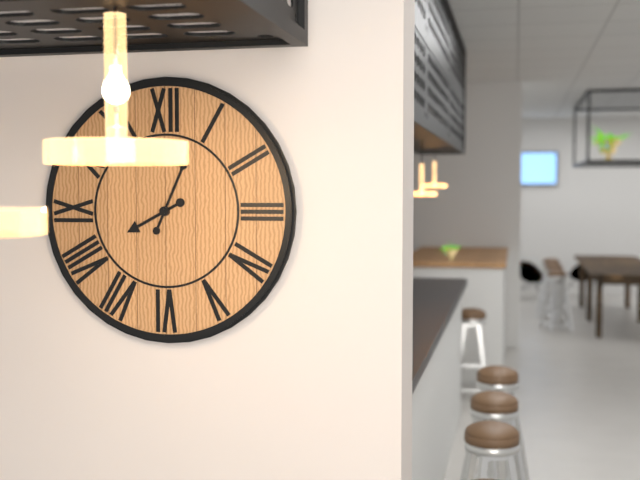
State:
8h04
